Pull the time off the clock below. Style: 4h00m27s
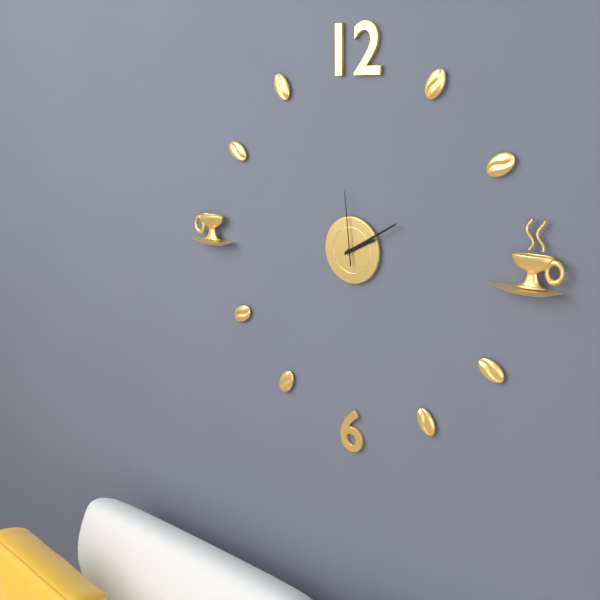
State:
2h10m59s
